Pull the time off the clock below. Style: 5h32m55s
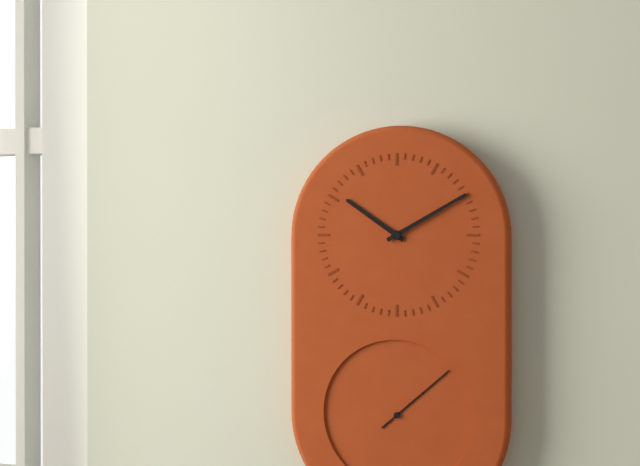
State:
10h10m08s
